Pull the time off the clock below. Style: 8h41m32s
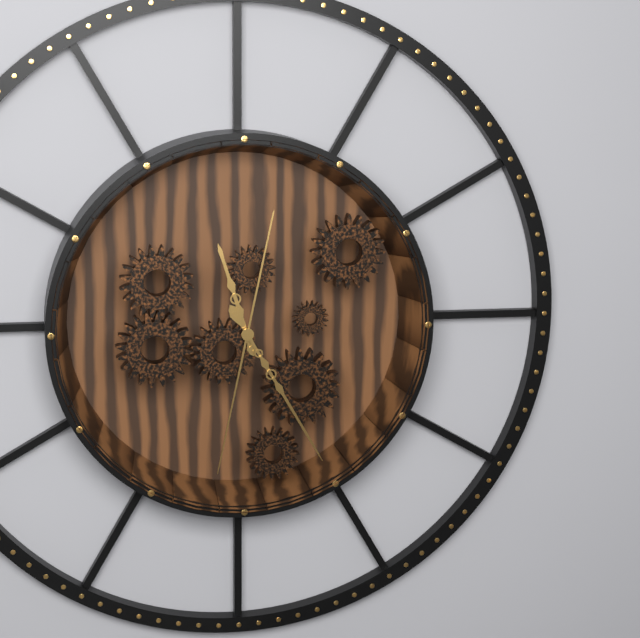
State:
11h25m32s
